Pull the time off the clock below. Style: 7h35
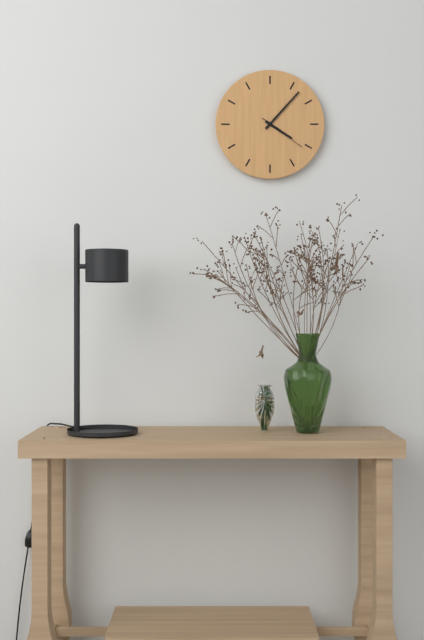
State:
4h07
